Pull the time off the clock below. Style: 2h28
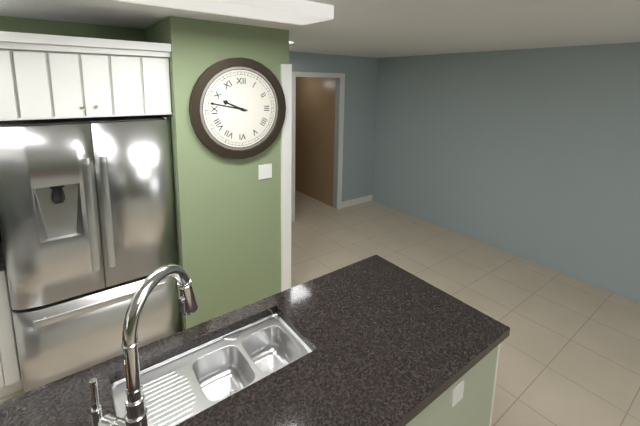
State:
9h47
